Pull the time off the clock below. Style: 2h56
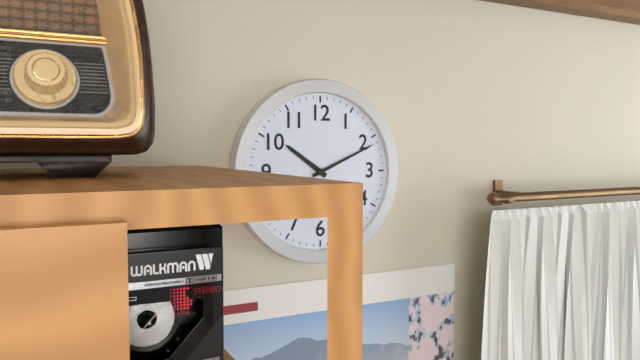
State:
10h11
